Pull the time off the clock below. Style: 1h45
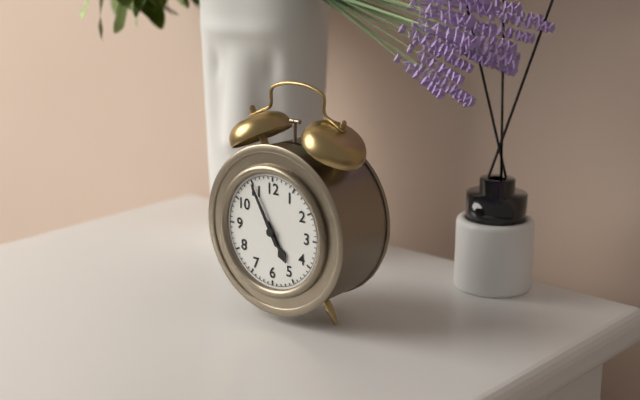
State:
4h55
